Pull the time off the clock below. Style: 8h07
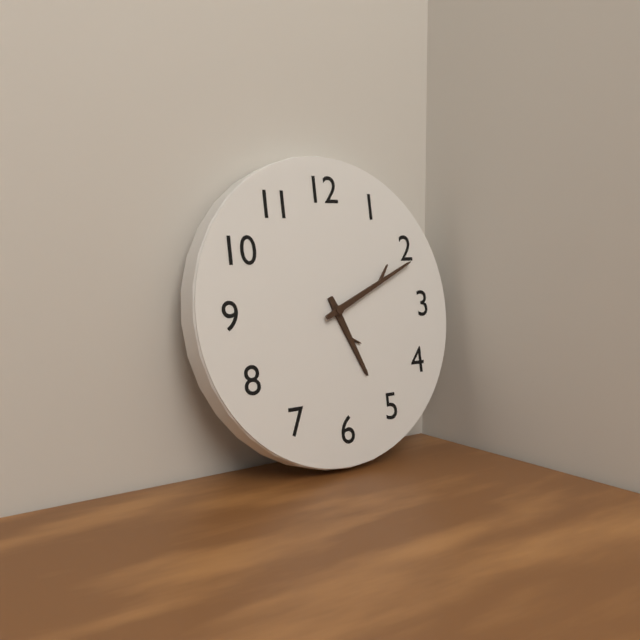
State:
5h11
